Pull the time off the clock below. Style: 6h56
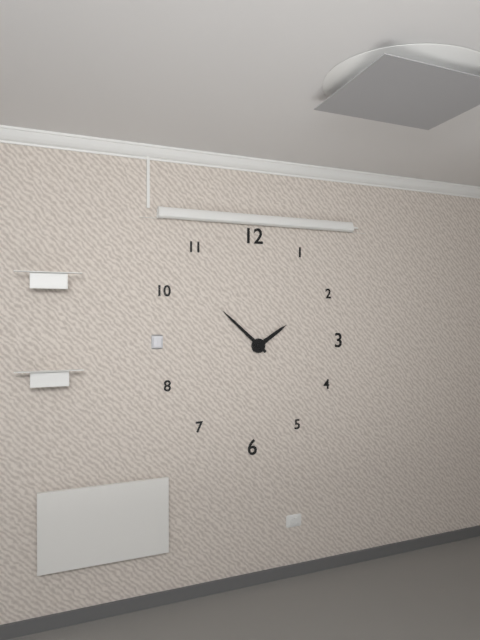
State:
1h52
